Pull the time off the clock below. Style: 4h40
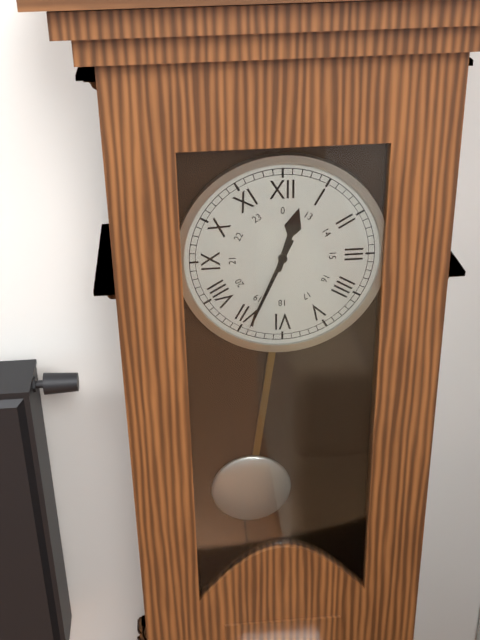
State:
12h34
